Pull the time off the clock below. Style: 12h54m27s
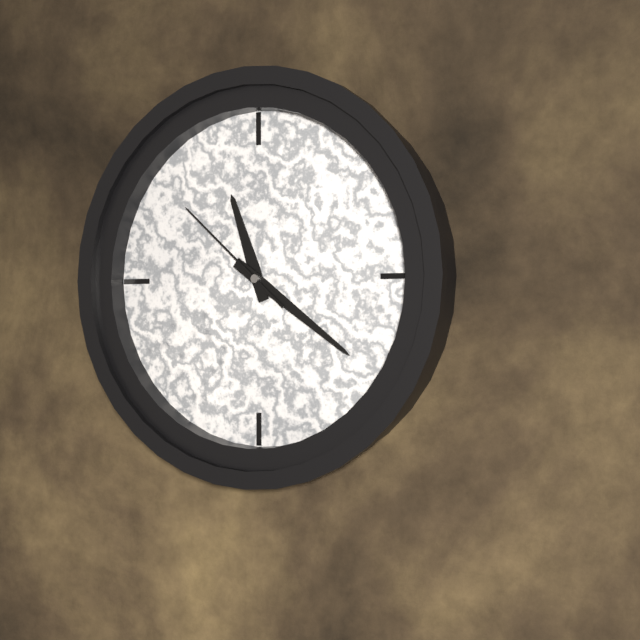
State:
11h21m52s
